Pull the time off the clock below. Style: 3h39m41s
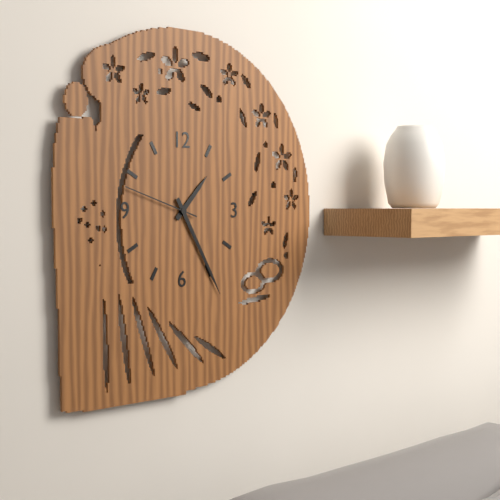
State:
1h25m48s
